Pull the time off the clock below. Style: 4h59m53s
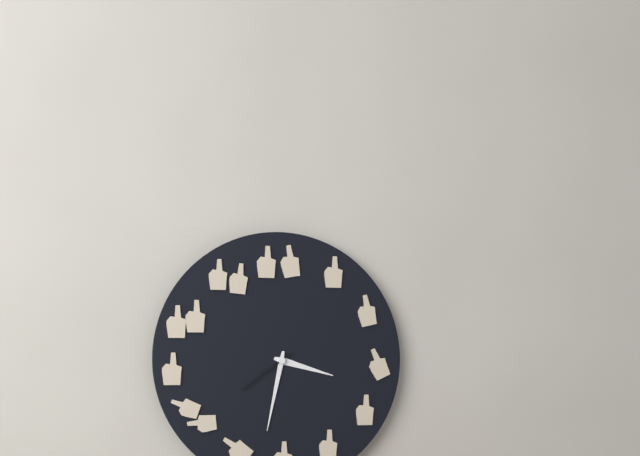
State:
3h32m39s
